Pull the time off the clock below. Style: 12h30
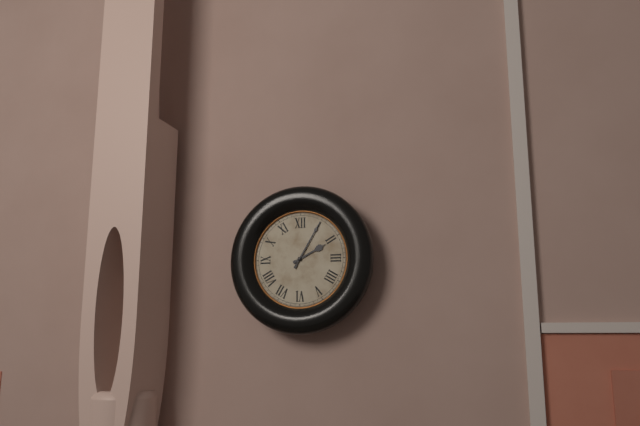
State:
2h05
